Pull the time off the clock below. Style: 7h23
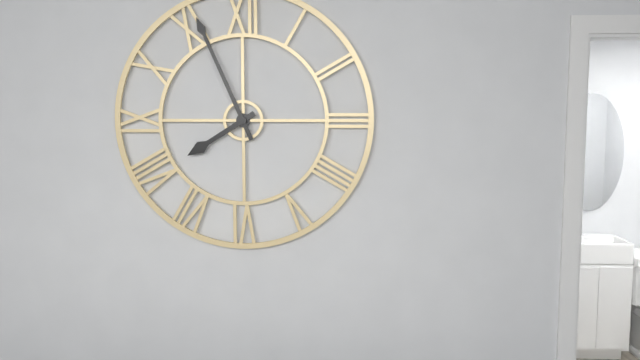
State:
7h56
